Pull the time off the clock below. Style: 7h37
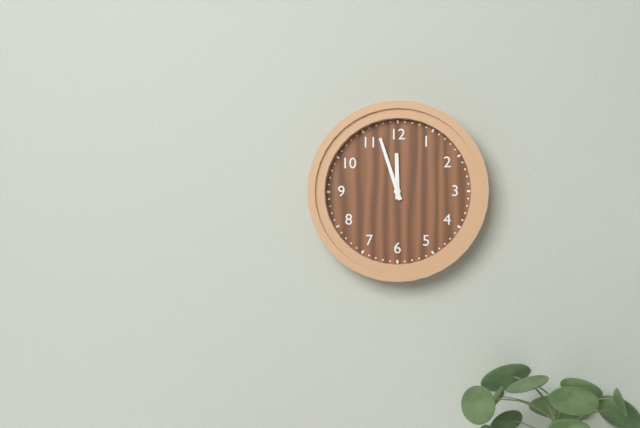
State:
11h57
